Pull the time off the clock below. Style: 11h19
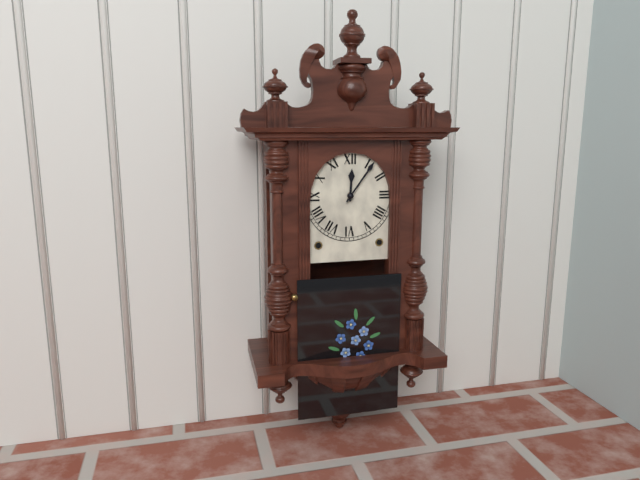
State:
12h06
